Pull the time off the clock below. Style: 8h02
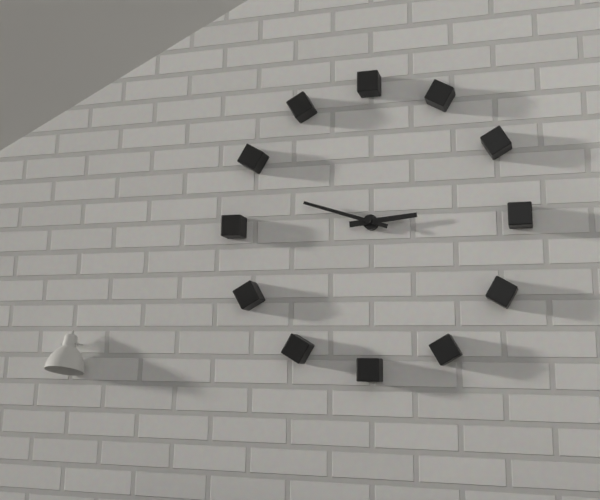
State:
2h48
